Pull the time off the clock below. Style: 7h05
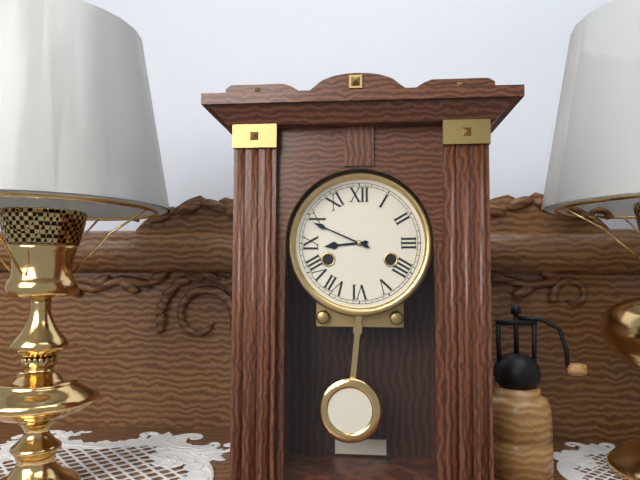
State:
8h49
